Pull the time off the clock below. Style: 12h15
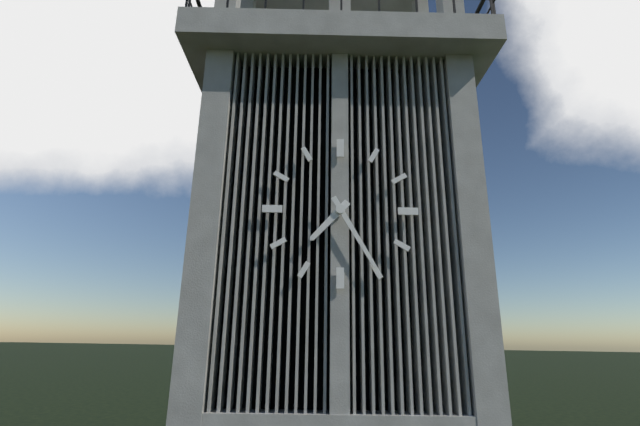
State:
7h25
